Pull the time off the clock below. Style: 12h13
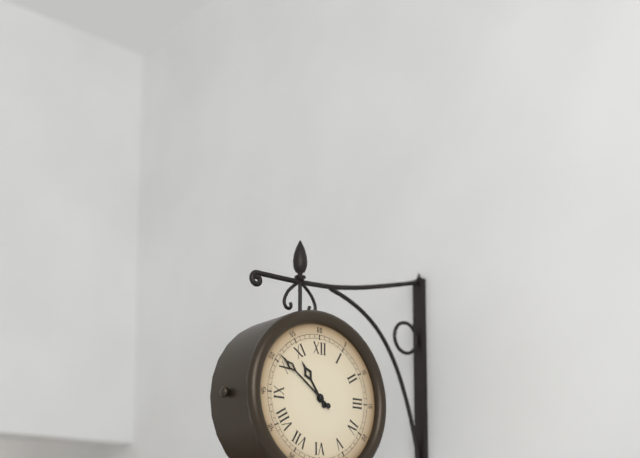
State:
10h51
